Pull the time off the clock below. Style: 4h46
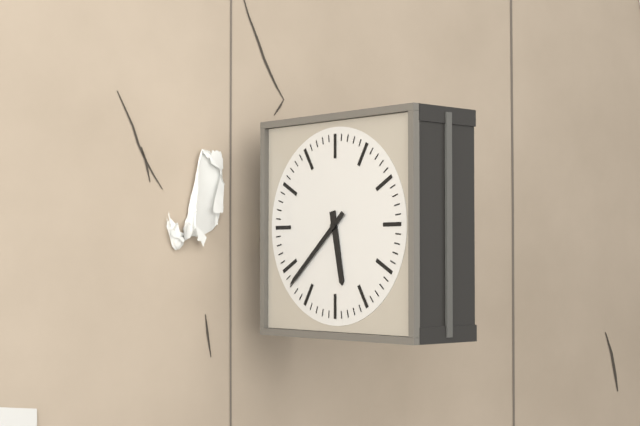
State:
5h38
